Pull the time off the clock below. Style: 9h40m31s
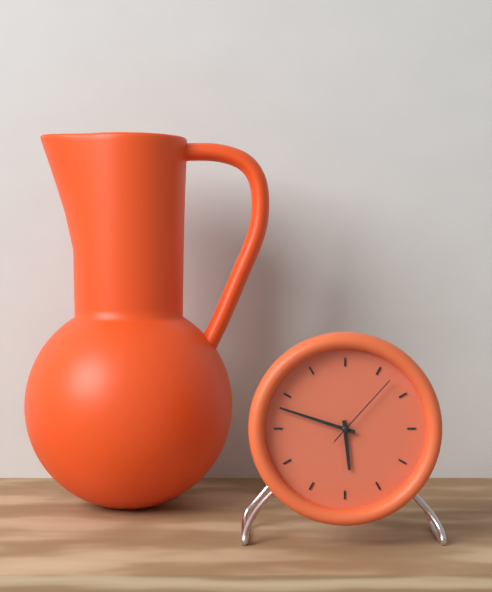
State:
5h48m07s
